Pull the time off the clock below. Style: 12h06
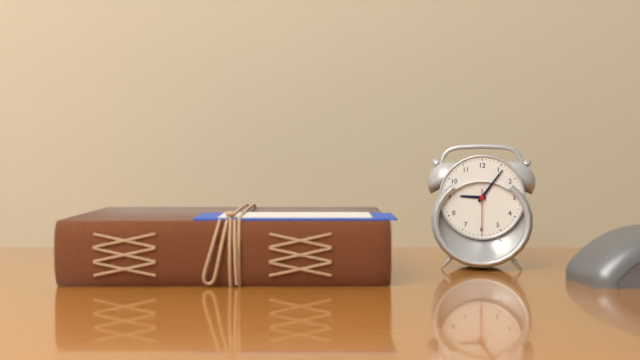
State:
9h06
